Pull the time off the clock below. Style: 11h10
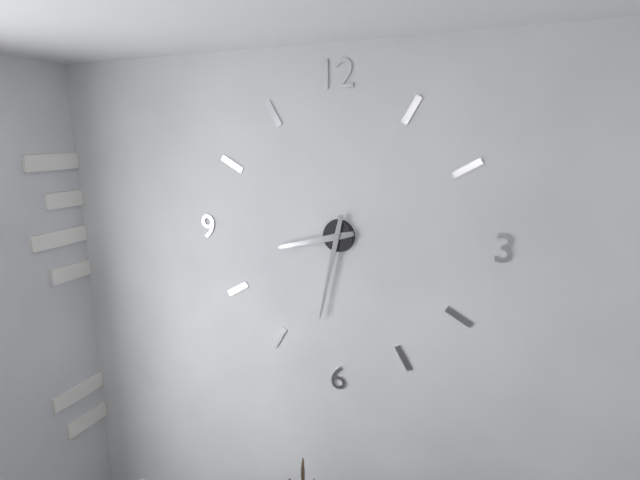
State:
8h32
